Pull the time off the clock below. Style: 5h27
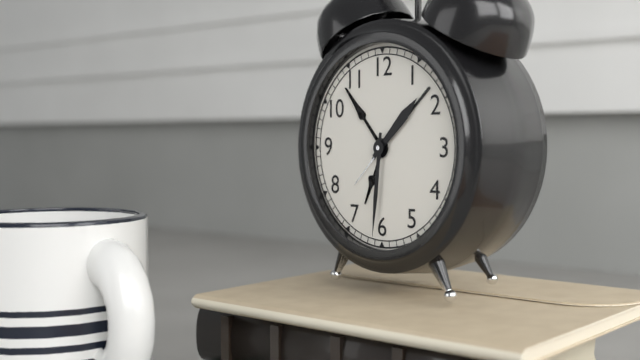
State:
1h31
